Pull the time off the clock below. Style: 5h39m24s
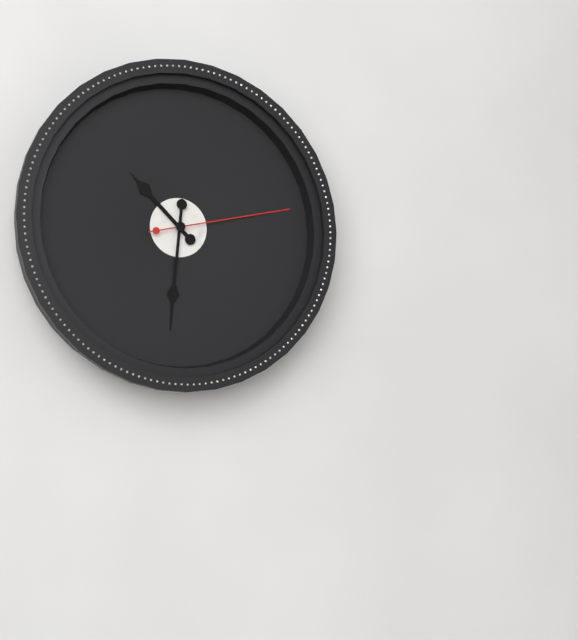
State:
10h31m13s
